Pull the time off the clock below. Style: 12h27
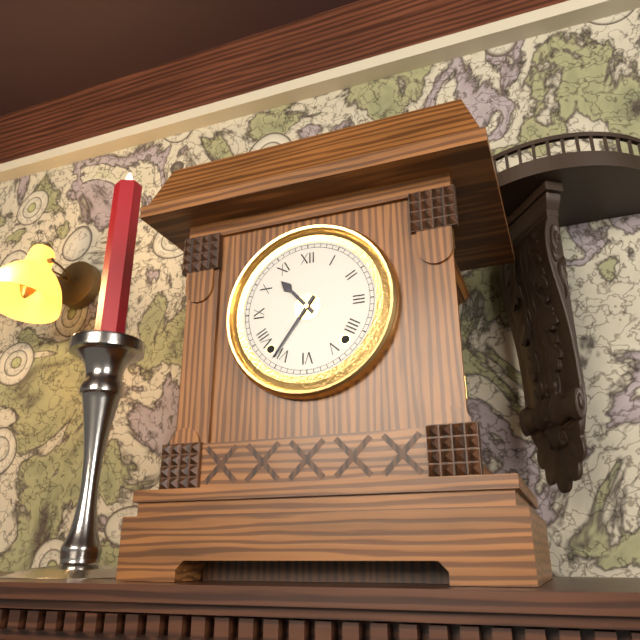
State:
10h36
